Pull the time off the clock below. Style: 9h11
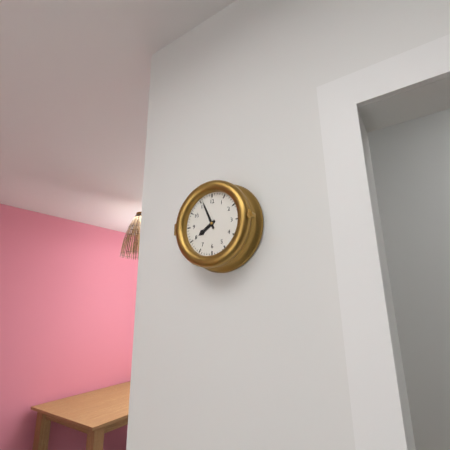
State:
7h56
